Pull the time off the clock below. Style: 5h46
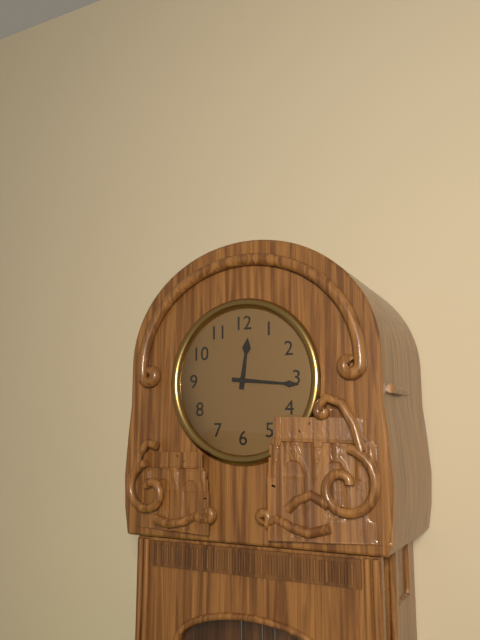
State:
12h16
